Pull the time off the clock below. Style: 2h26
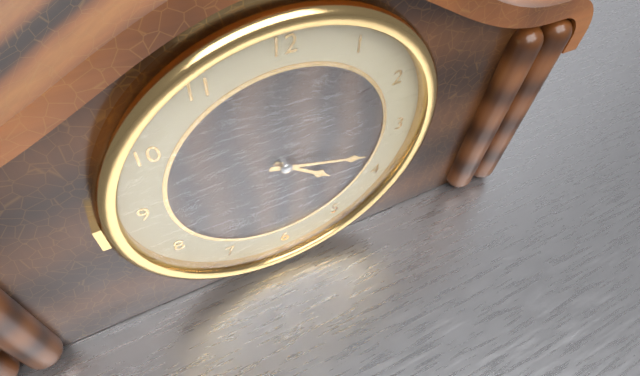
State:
4h18
